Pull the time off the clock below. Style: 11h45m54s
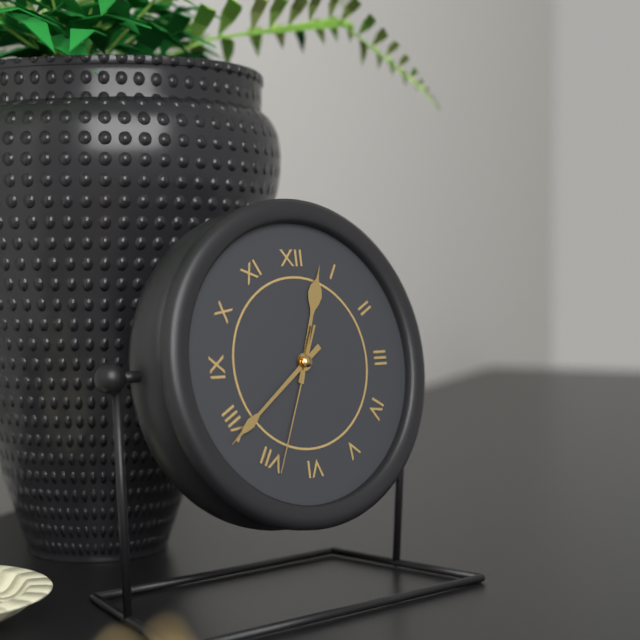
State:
12h39m34s
